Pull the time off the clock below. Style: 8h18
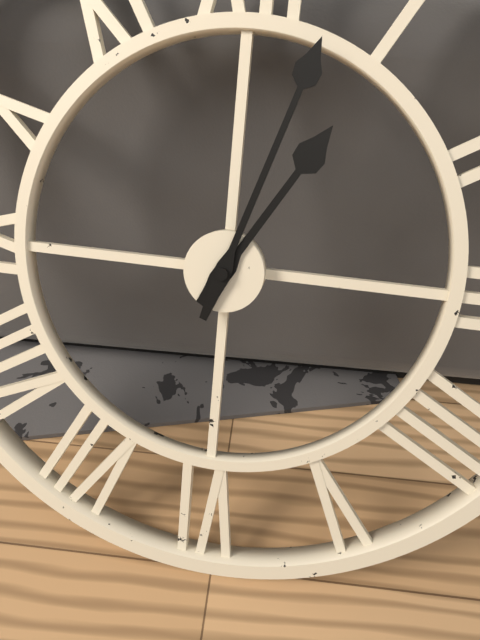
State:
1h03
